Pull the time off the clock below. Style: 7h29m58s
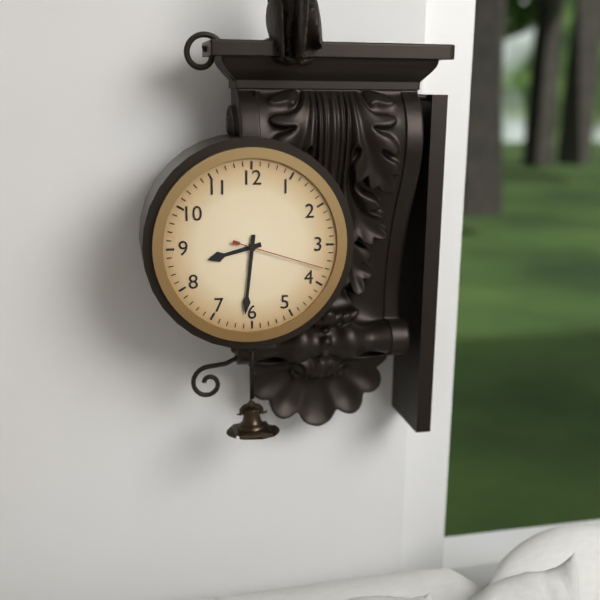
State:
8h31m18s
